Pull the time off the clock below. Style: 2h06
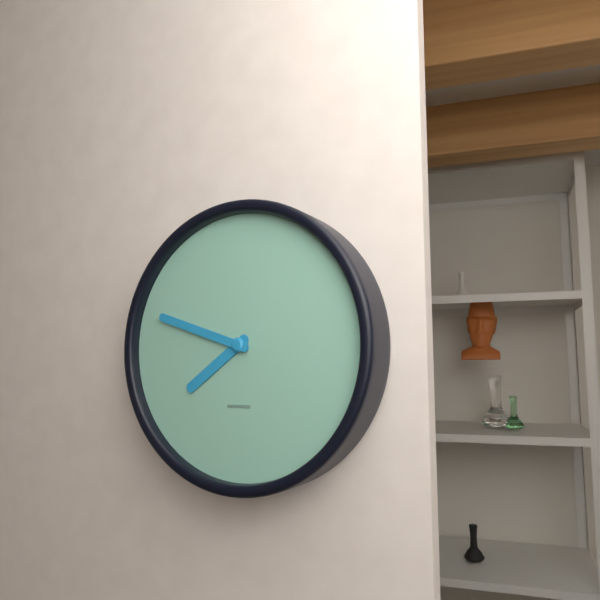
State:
7h48
